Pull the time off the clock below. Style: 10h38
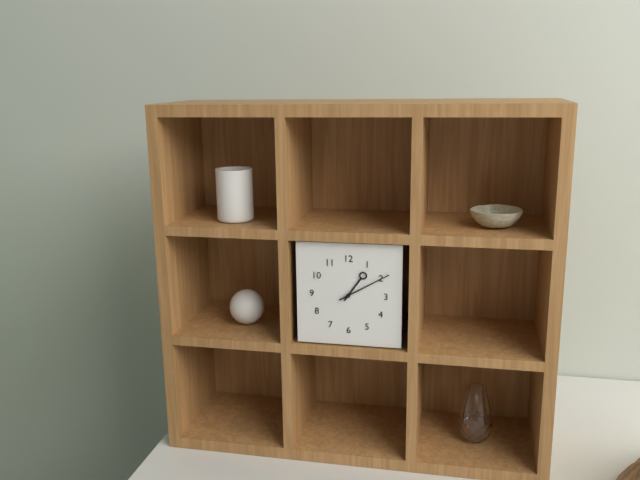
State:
1h10
